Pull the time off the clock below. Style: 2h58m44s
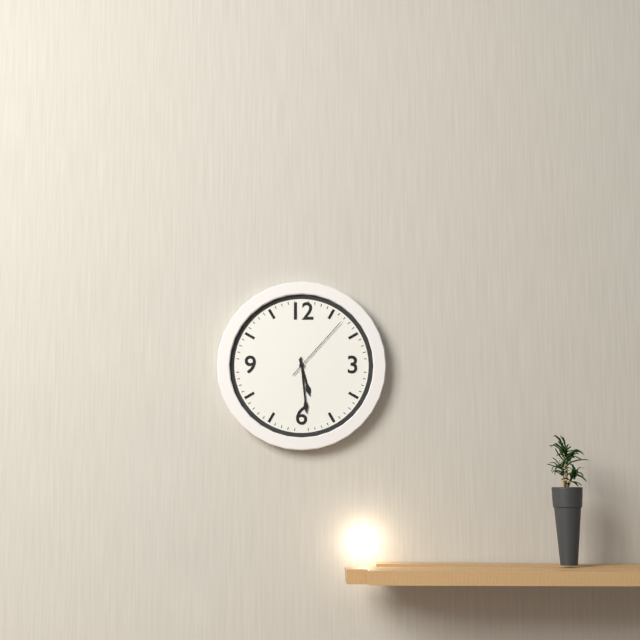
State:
5h29m07s
